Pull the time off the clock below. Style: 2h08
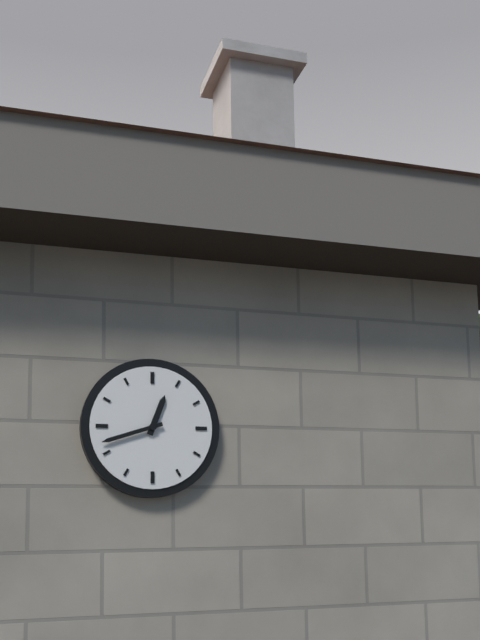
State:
12h42
